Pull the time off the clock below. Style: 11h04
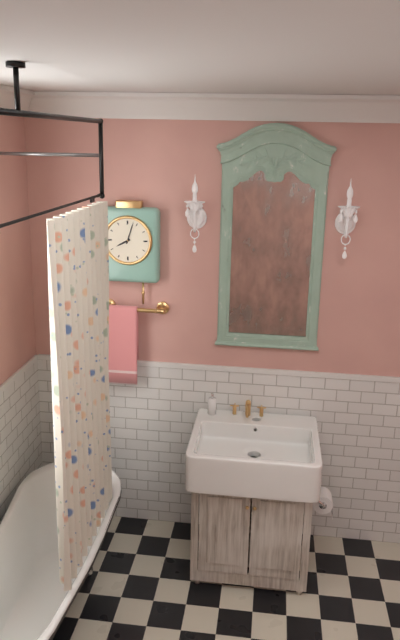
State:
8h03
